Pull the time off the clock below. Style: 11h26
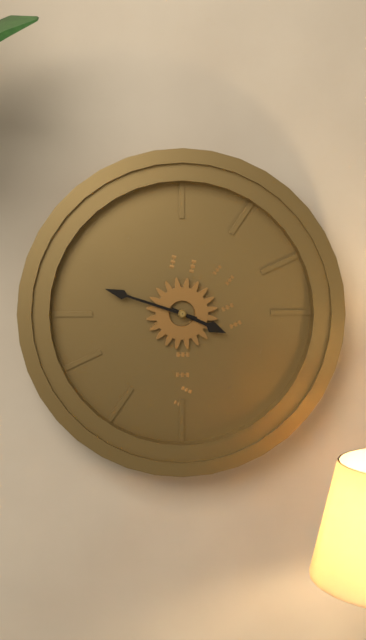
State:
3h48
